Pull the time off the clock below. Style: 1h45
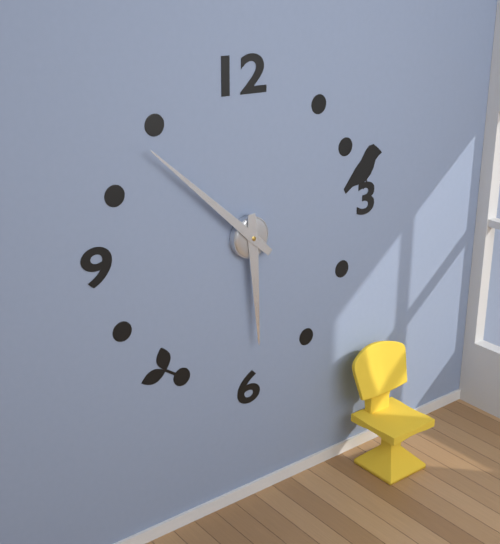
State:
5h52
